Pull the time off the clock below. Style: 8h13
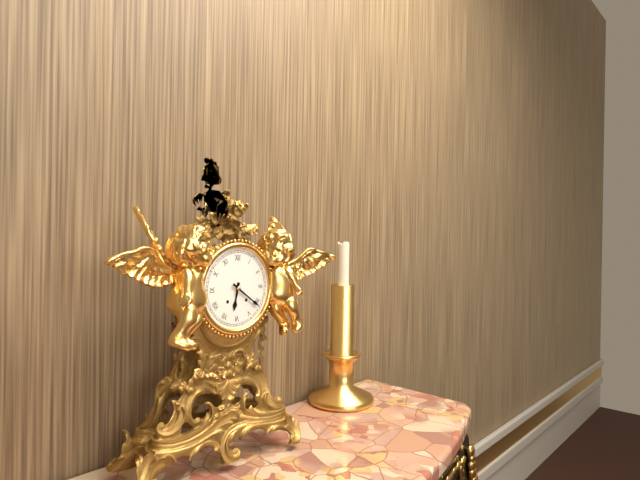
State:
6h21
